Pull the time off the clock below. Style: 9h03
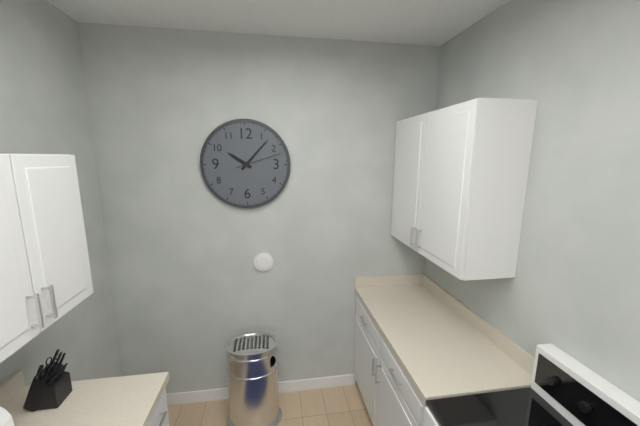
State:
10h07
